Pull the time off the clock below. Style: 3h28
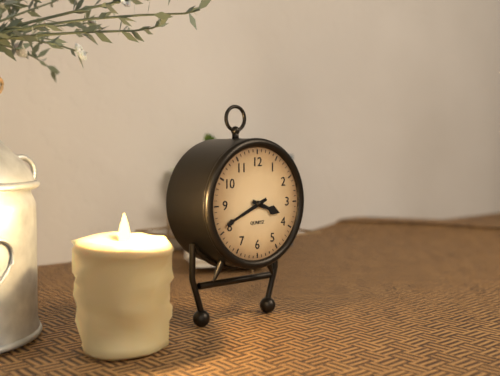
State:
3h41
